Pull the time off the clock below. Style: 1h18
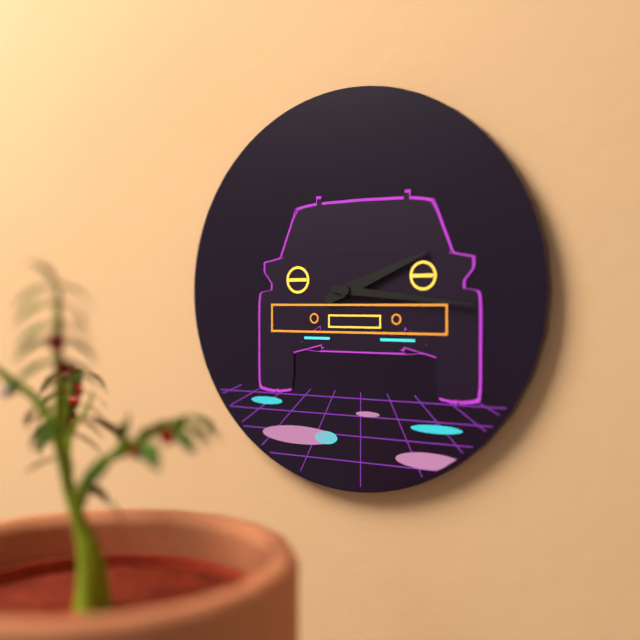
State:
2h16
